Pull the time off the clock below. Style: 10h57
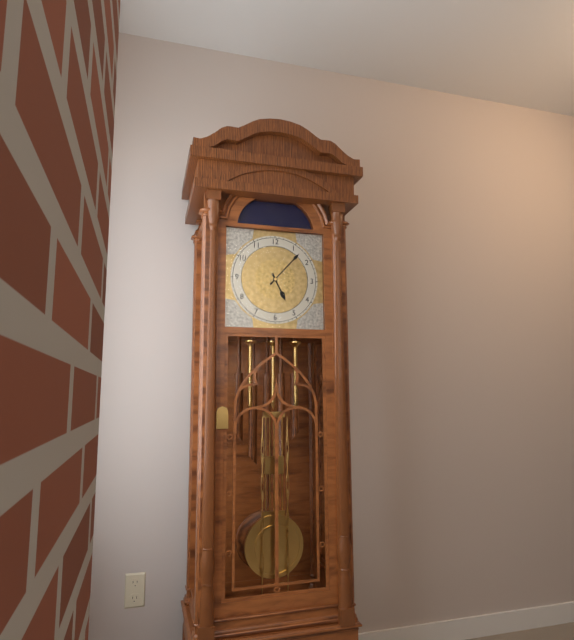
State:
5h07
